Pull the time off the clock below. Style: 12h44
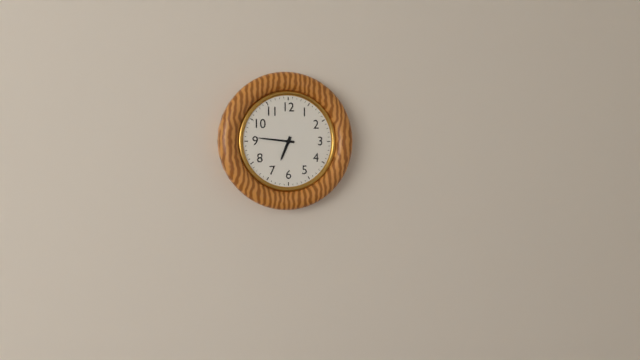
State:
6h46
